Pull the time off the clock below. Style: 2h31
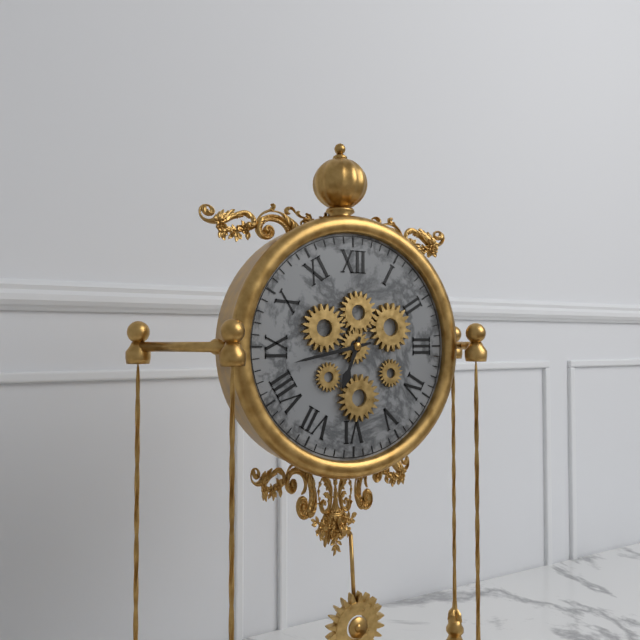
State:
6h43
